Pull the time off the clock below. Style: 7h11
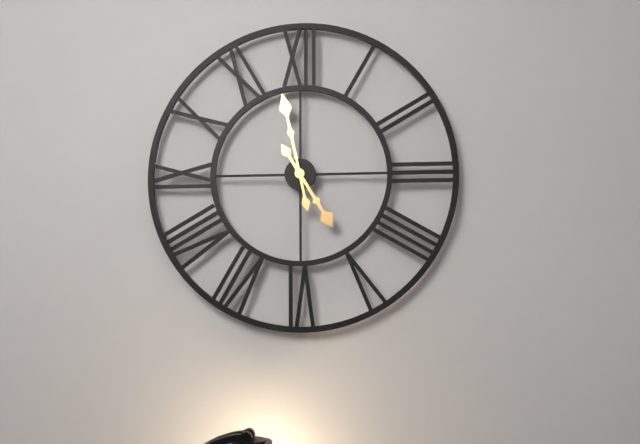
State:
4h58
